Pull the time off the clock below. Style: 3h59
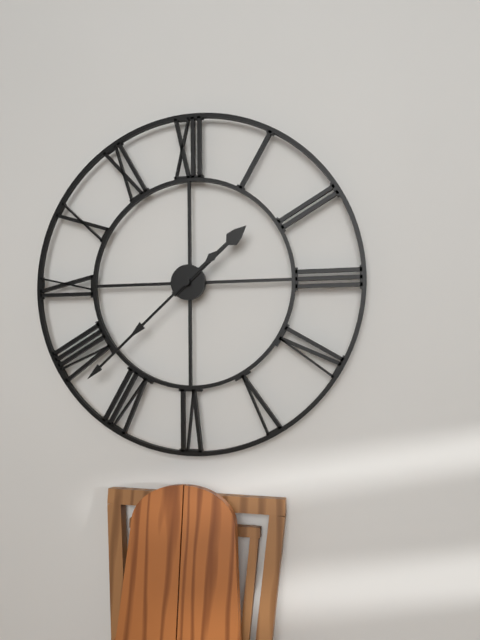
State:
1h38
